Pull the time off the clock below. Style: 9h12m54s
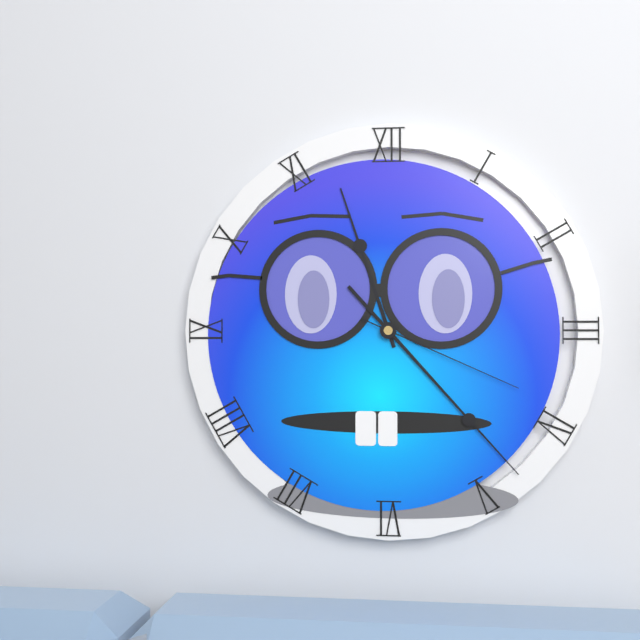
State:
11h23m19s
